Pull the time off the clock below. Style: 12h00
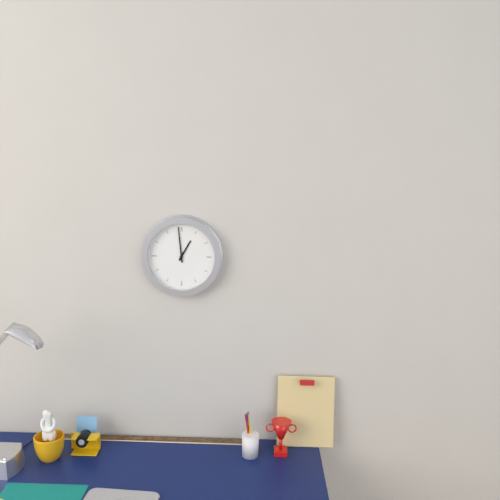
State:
12h59
